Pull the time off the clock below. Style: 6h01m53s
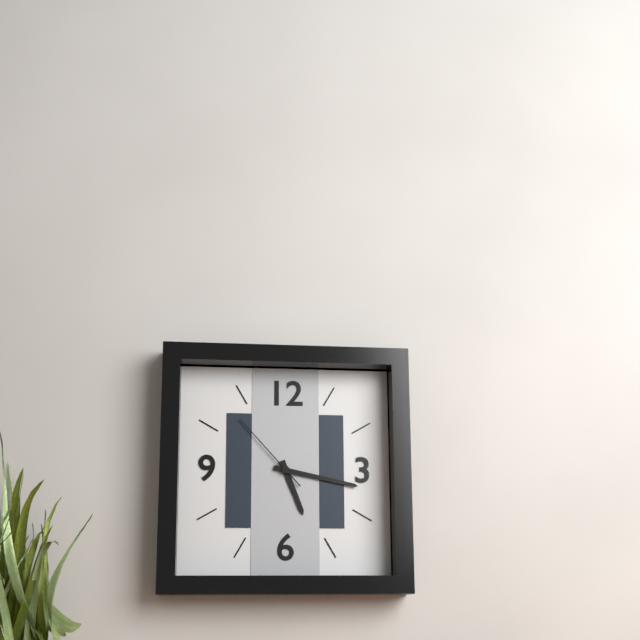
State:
5h17m53s
